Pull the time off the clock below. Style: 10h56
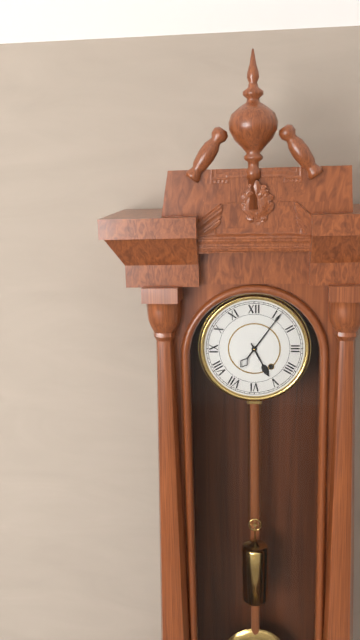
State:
5h06
